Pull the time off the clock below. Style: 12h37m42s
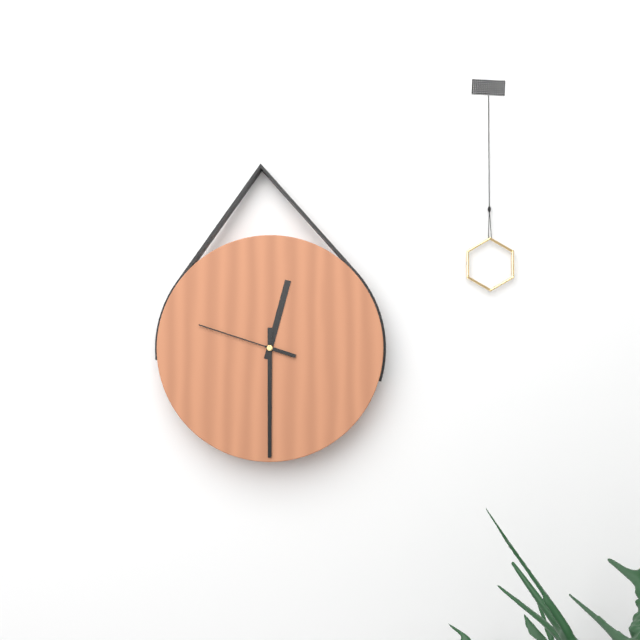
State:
12h30m48s
